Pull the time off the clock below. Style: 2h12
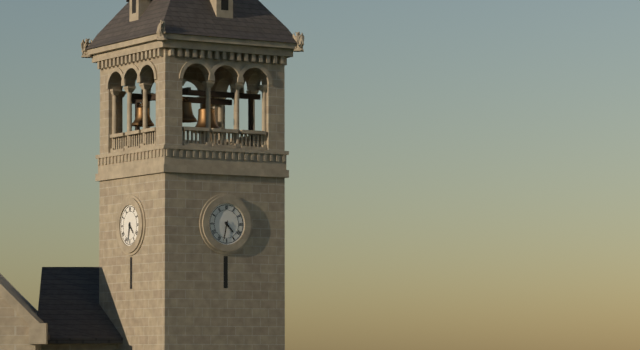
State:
4h32
